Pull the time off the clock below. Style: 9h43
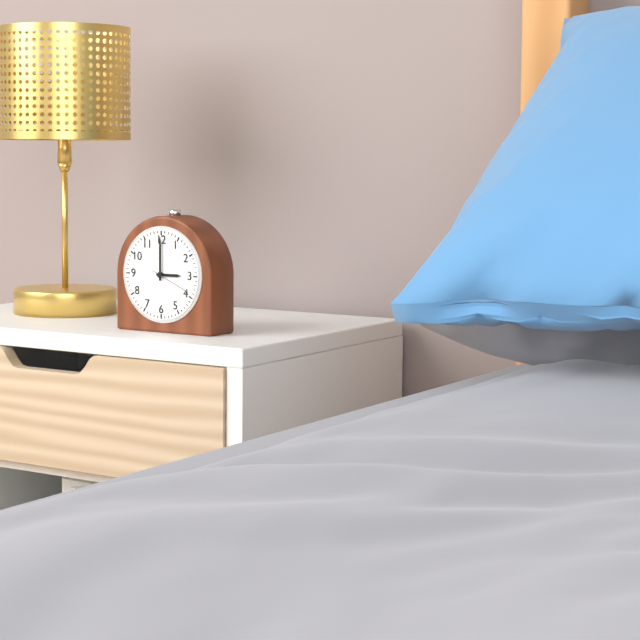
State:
3h00
